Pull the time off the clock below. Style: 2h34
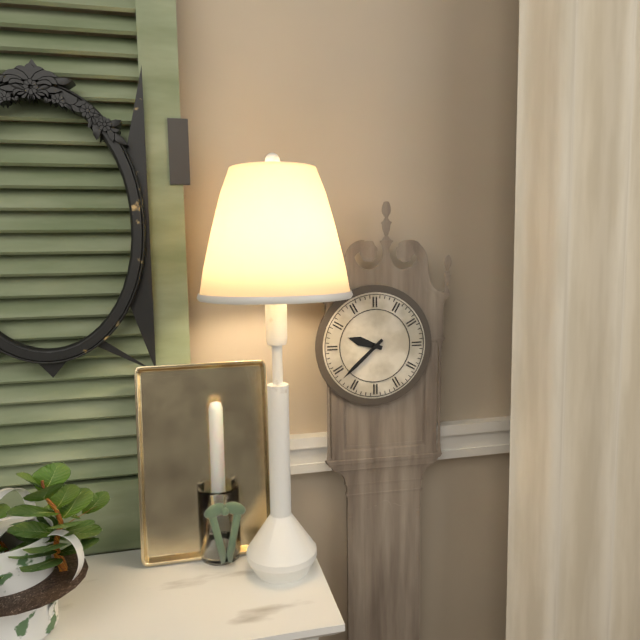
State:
9h38
